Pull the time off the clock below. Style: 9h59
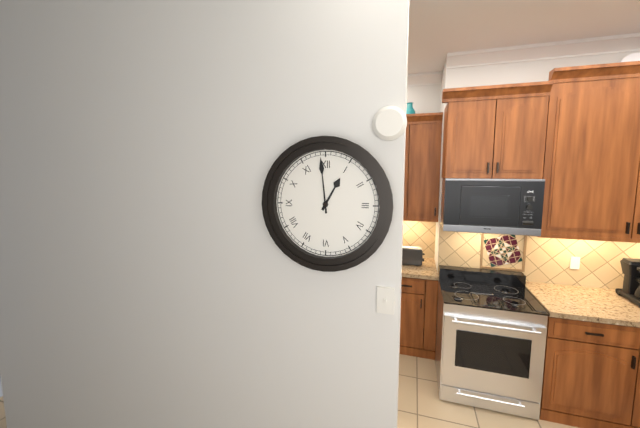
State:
12h59
